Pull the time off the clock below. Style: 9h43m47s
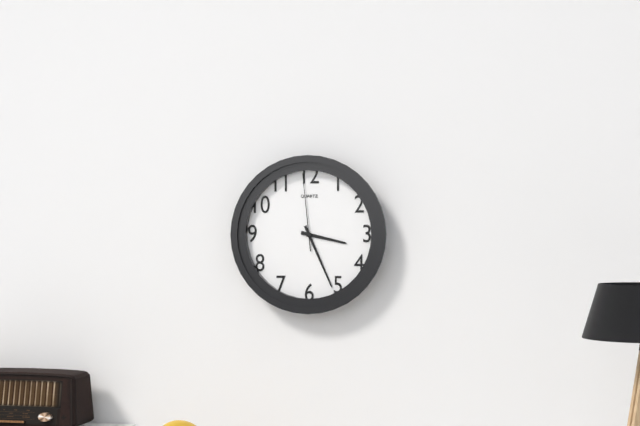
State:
3h26m59s
